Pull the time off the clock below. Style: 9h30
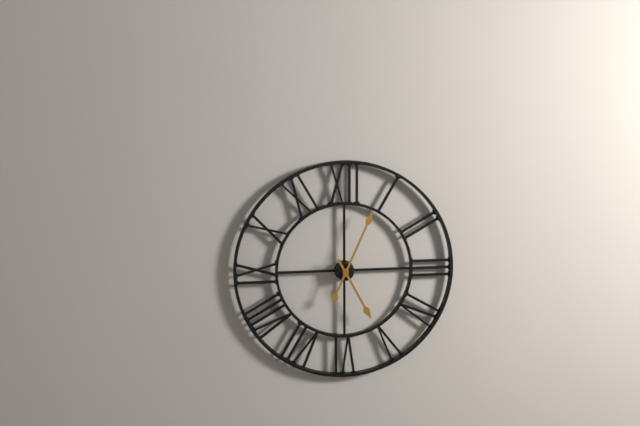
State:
5h04
